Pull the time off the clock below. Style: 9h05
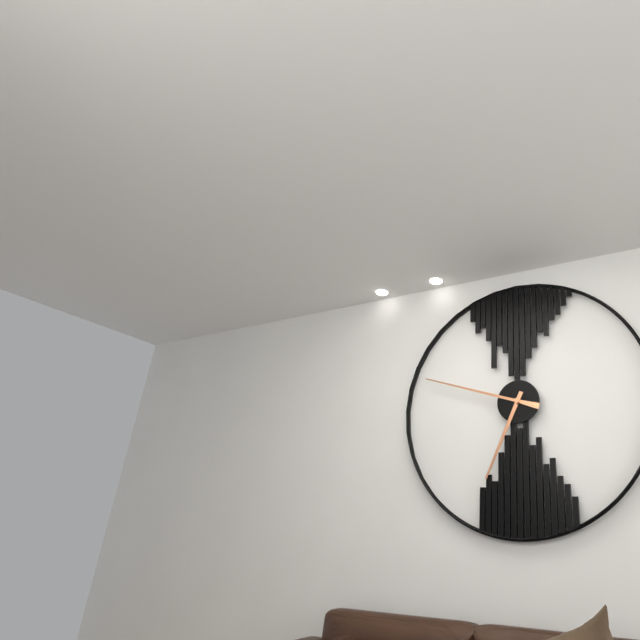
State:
6h48
